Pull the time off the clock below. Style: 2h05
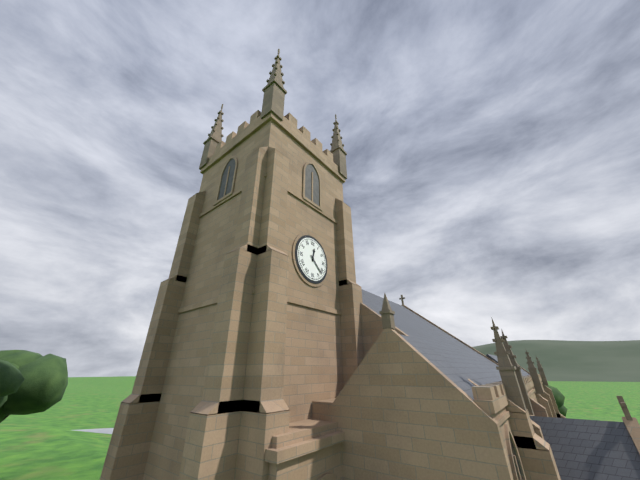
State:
12h22
